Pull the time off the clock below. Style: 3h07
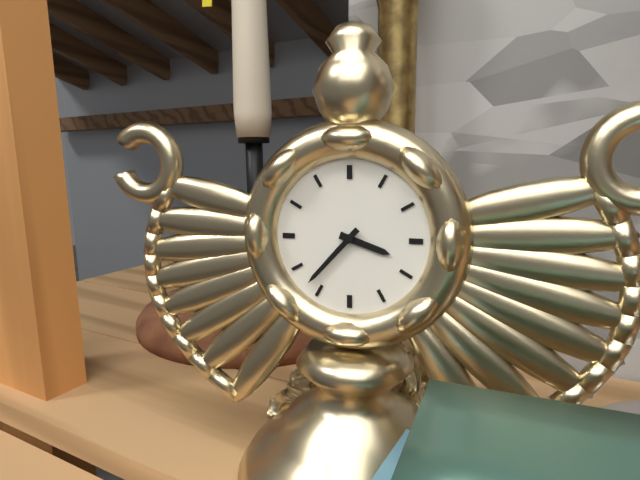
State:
3h37
